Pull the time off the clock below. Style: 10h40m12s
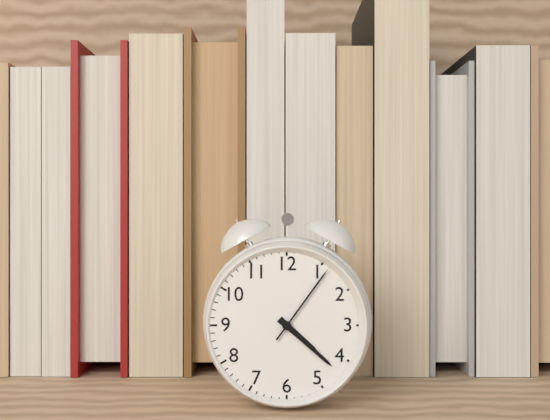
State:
4h22m06s
